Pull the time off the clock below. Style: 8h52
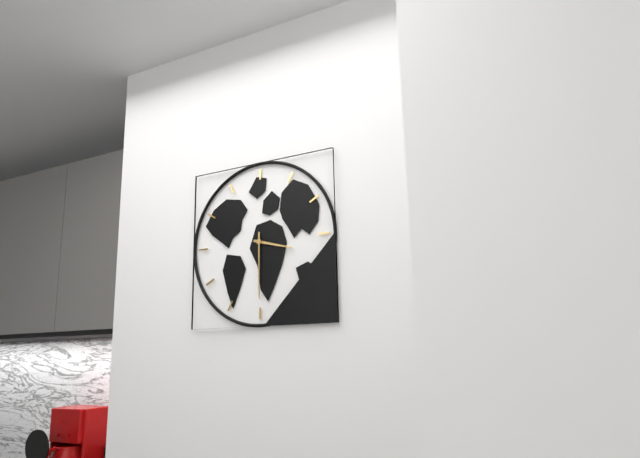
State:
3h30
